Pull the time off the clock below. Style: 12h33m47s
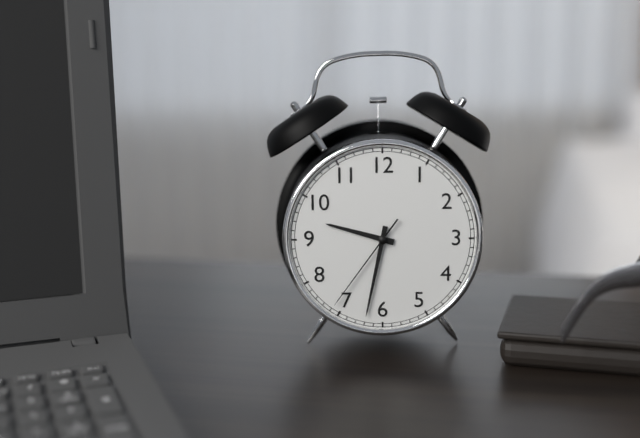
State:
9h32m36s
